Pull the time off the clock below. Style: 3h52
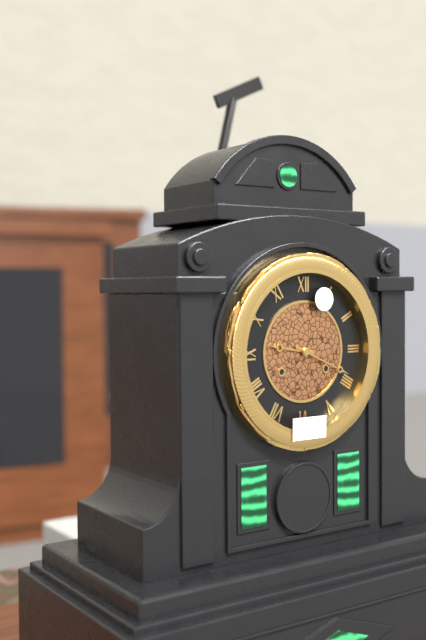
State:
9h19
